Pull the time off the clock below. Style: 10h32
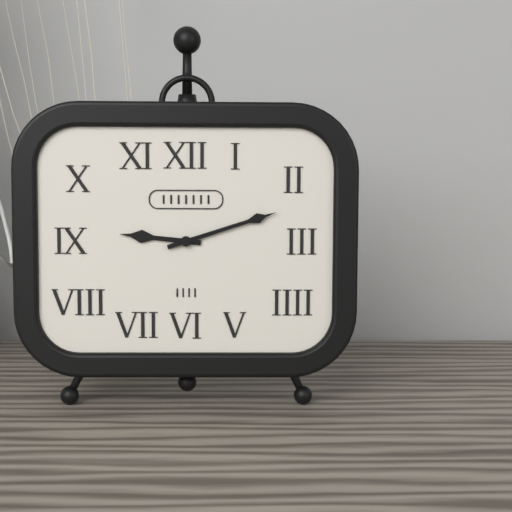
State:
9h12
